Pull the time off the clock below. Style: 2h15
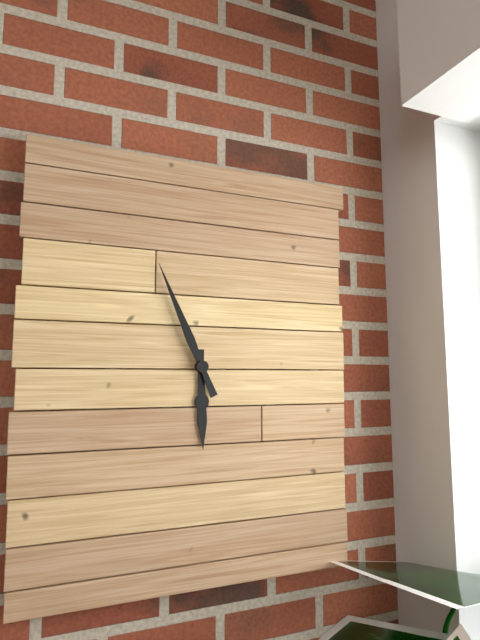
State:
5h56
